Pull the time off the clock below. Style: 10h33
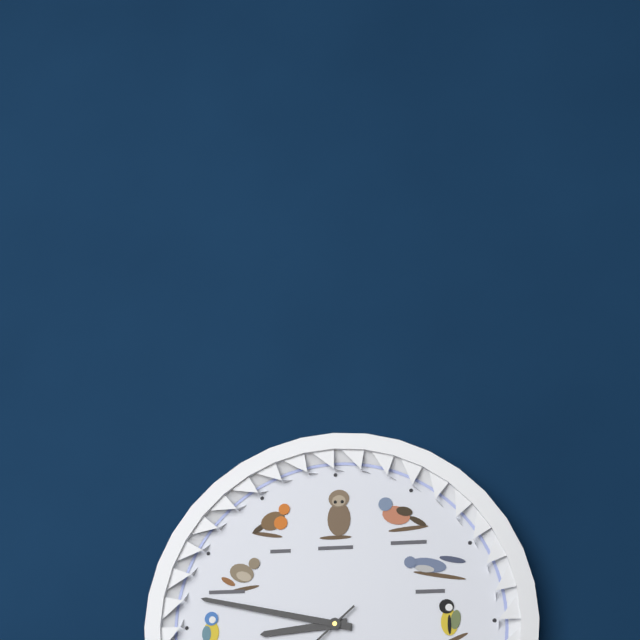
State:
8h47
